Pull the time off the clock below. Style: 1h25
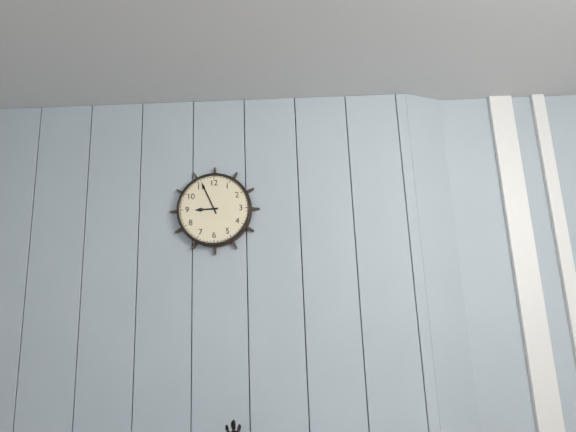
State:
8h56
